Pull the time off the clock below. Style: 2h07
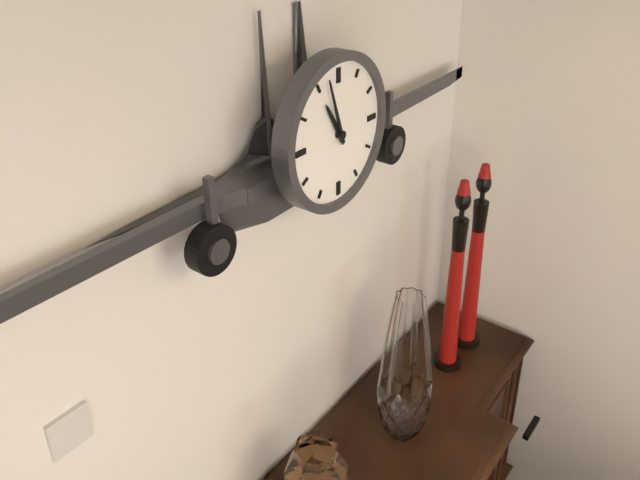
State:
10h57
